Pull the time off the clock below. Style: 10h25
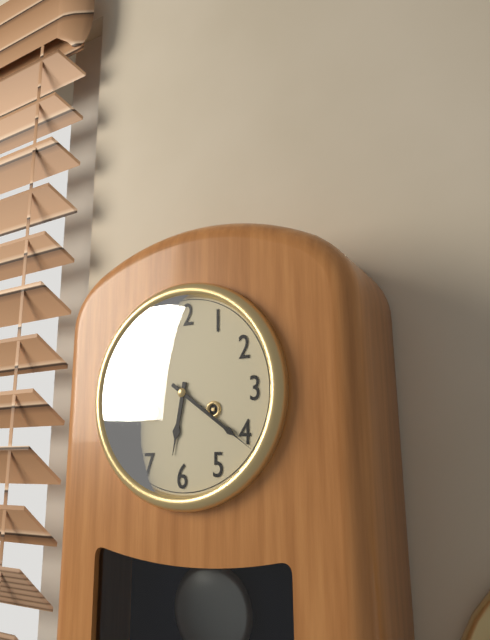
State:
6h21
